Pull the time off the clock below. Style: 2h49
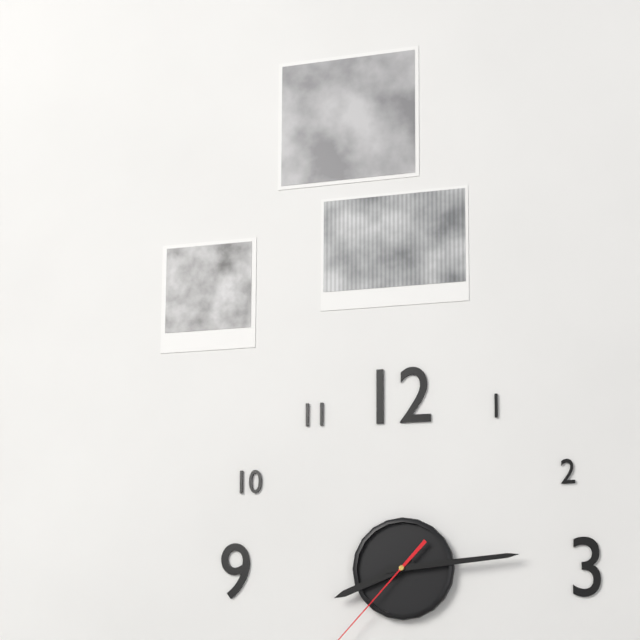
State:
8h14
